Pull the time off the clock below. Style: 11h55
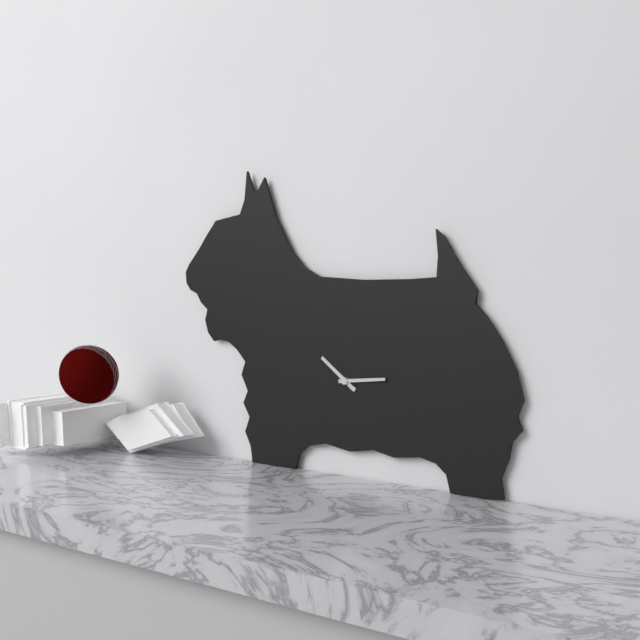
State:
10h14
